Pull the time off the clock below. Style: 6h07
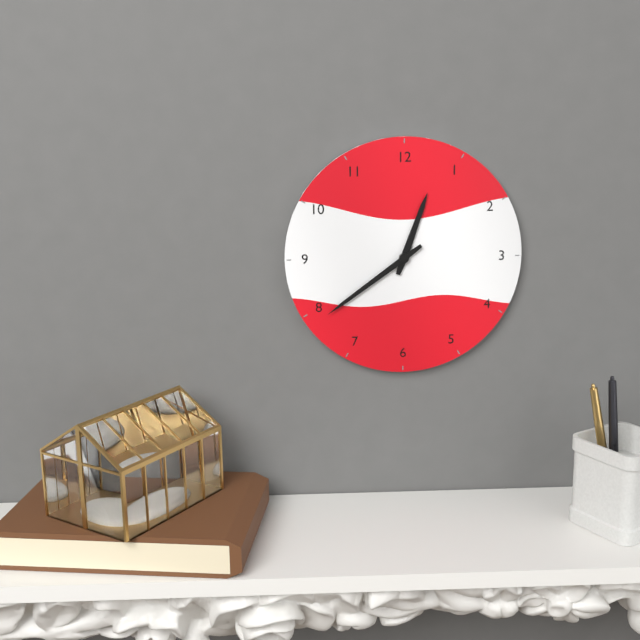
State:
12h39
